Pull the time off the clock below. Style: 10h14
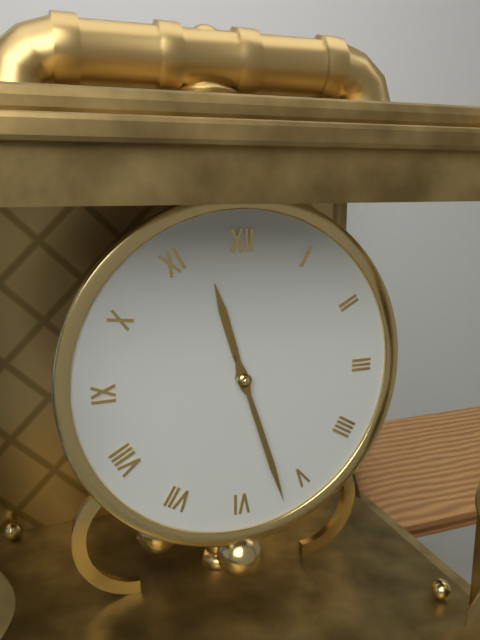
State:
11h27
